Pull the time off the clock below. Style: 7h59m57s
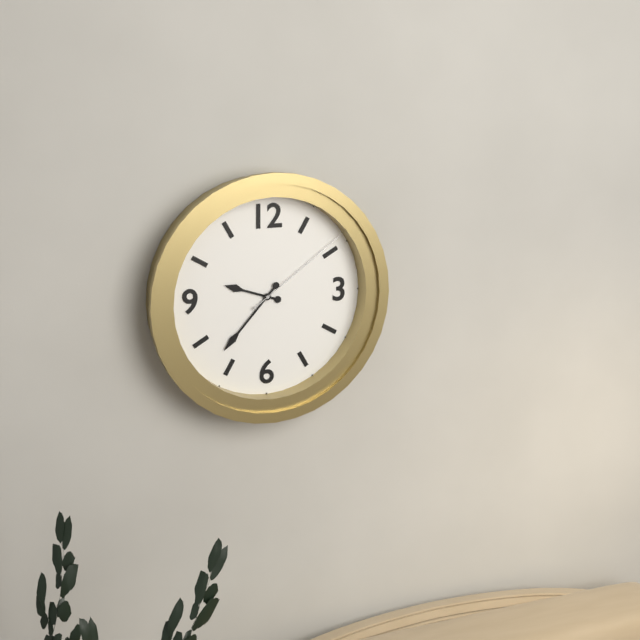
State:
9h37m09s
